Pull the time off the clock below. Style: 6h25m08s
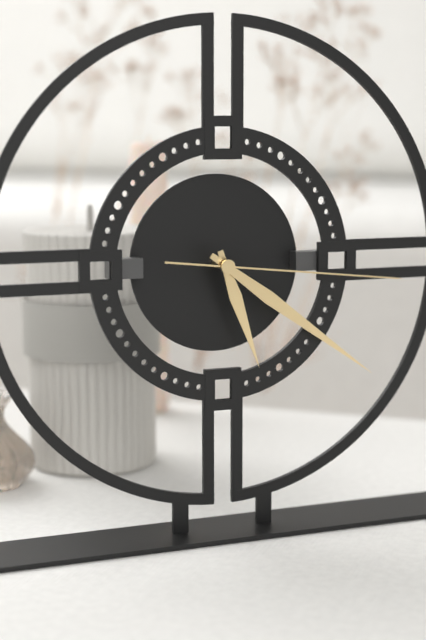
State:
5h21m16s
